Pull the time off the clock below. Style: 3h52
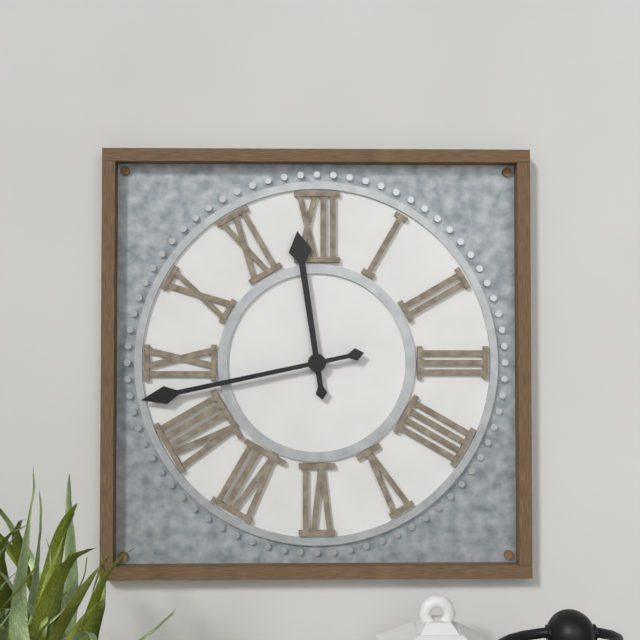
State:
11h43
